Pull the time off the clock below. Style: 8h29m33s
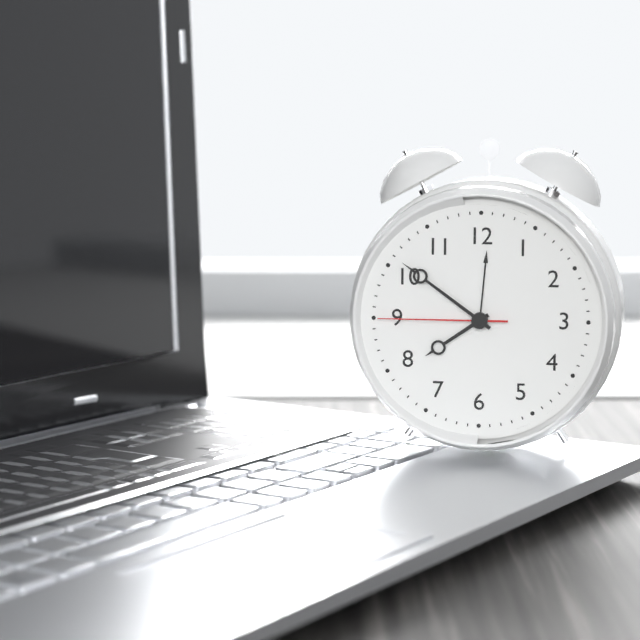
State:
7h51m45s
